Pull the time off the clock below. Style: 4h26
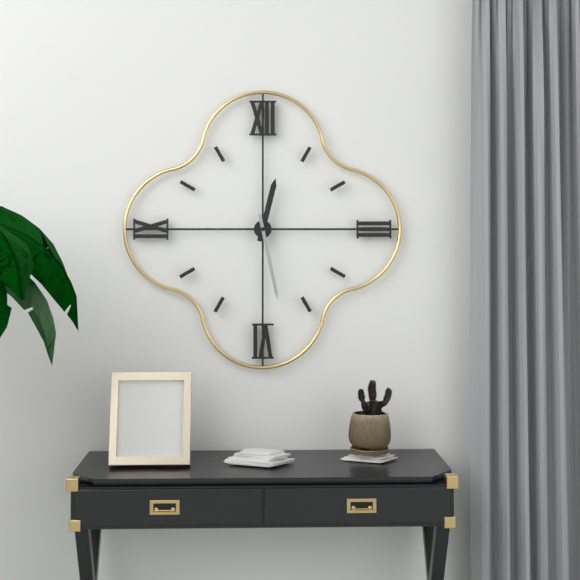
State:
12h28
